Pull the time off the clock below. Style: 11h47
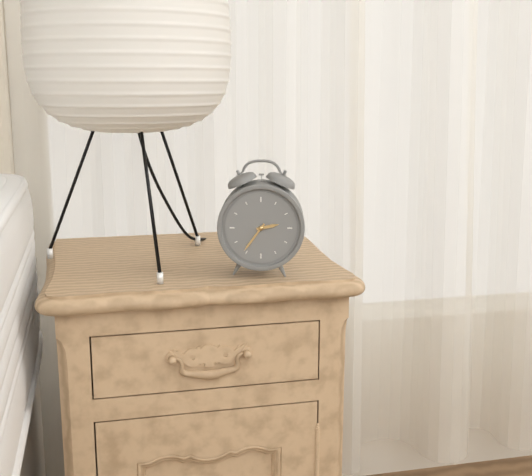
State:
2h36
